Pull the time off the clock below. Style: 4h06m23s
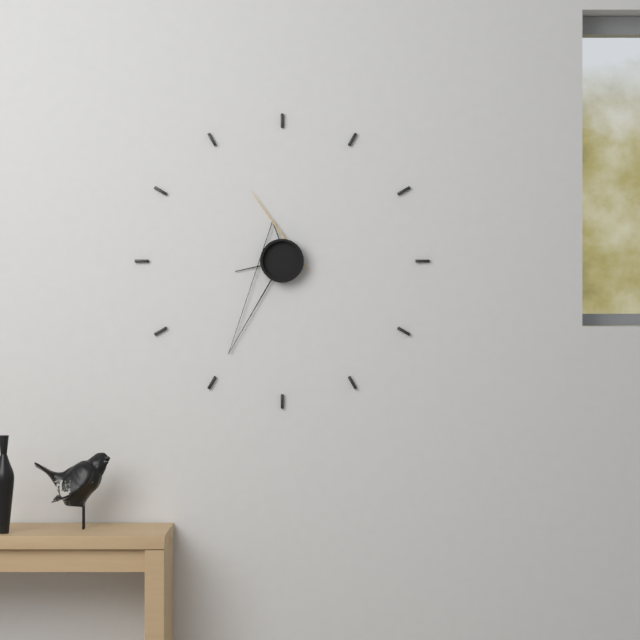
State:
8h35m56s
